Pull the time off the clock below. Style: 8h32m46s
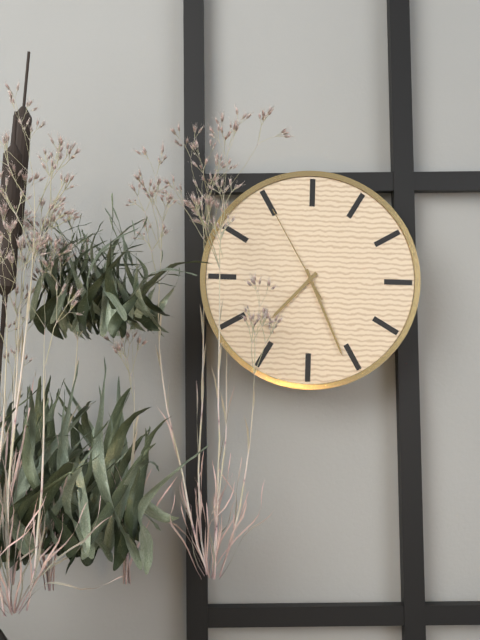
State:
7h26m55s
